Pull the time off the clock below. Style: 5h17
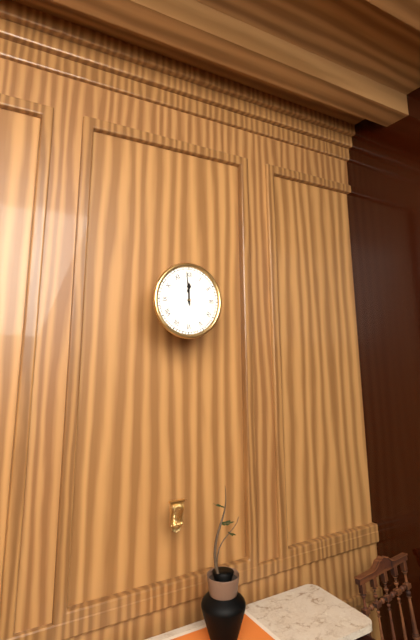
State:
11h59
